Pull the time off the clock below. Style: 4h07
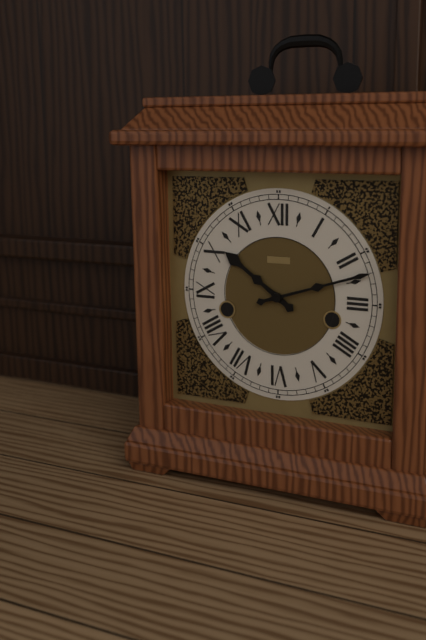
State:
10h12
